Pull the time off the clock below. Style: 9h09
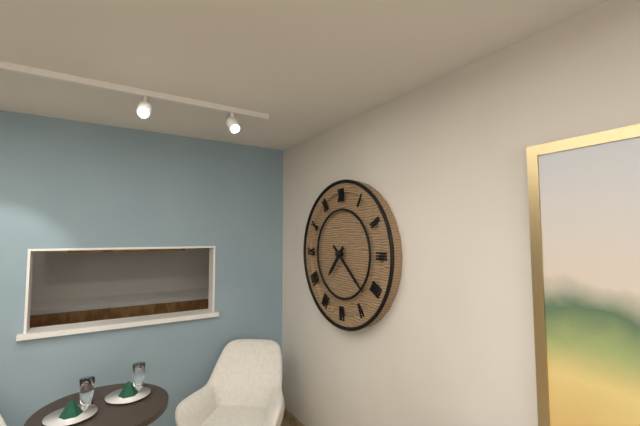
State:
7h22
